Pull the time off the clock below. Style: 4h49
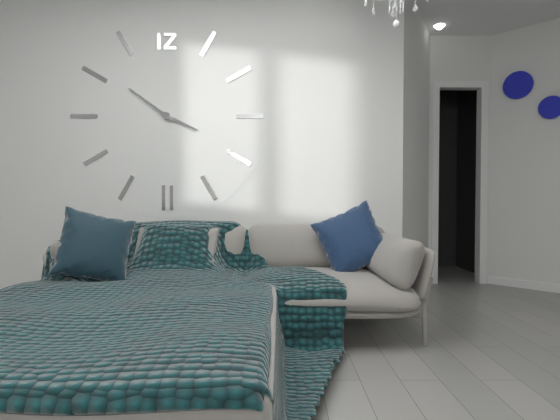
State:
3h51
